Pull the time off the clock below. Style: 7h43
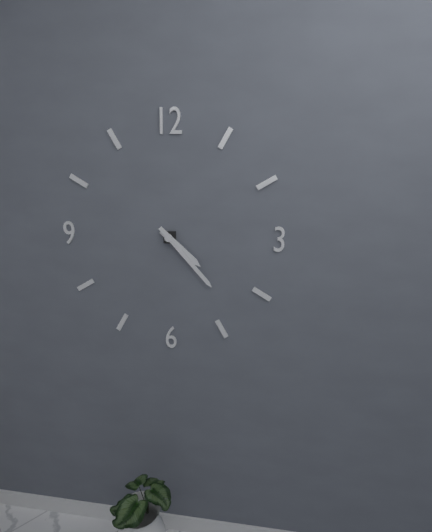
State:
4h23
